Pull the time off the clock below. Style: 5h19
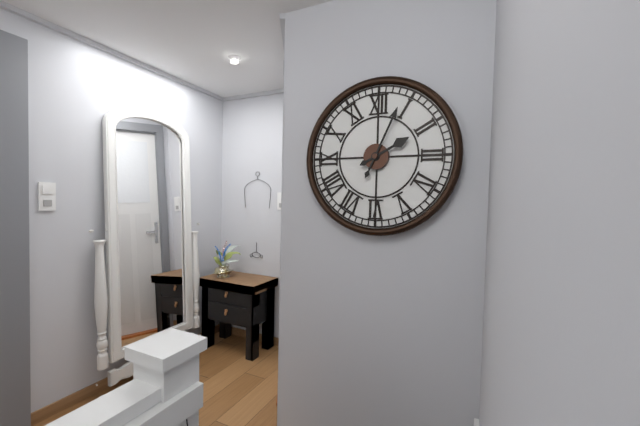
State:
2h04
